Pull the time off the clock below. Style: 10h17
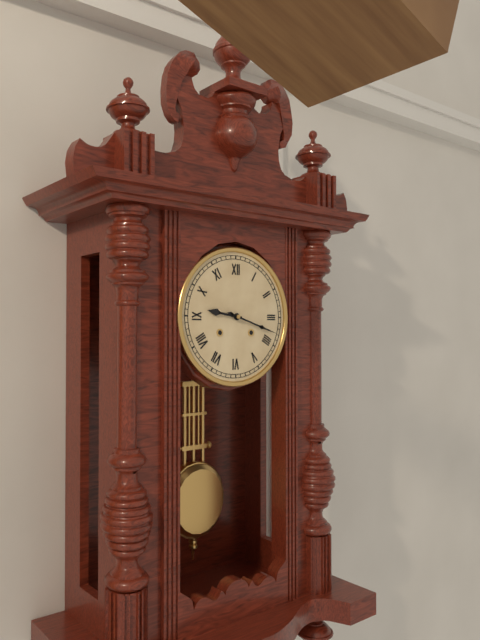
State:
9h18
